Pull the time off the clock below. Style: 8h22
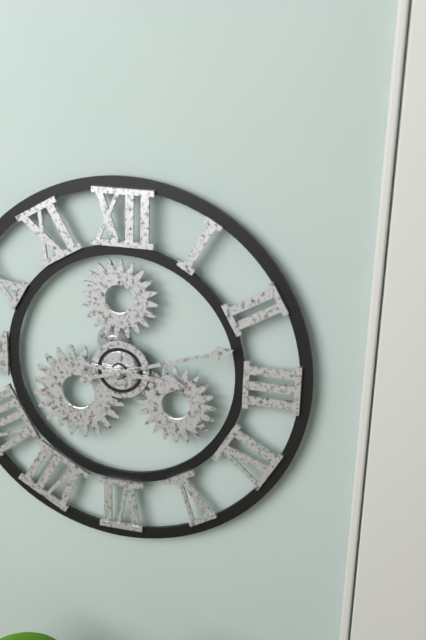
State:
3h12
